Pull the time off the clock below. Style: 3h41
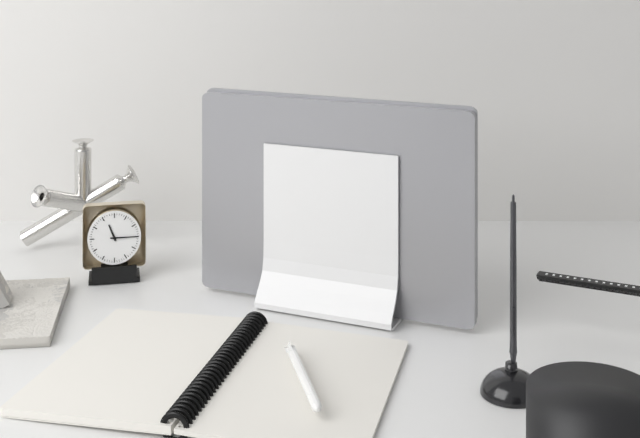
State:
11h15
